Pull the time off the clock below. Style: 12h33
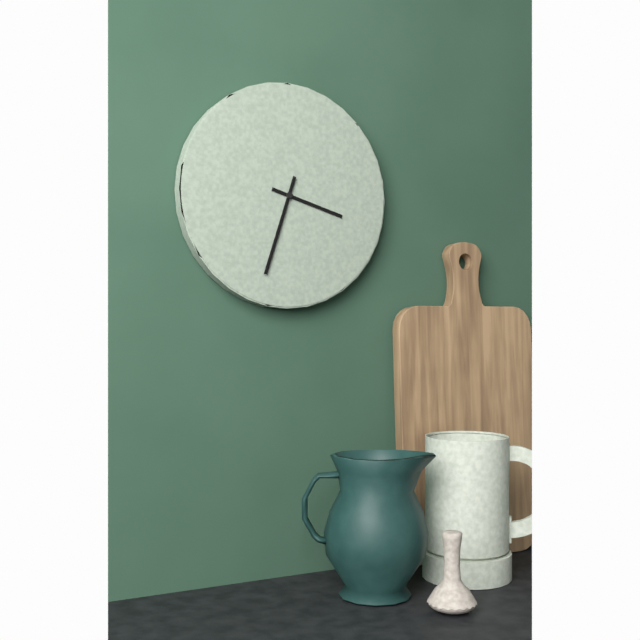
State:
3h33
